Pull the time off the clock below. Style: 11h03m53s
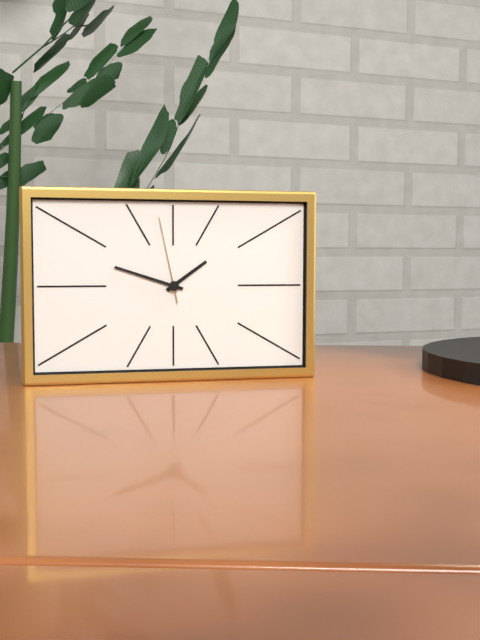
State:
1h48m58s
